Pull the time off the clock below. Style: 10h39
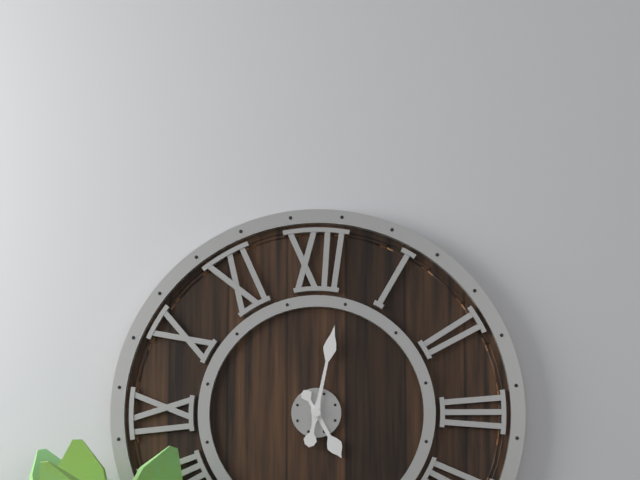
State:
5h02
